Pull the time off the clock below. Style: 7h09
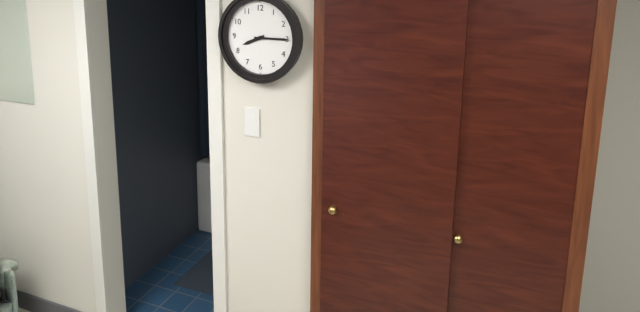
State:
8h15
